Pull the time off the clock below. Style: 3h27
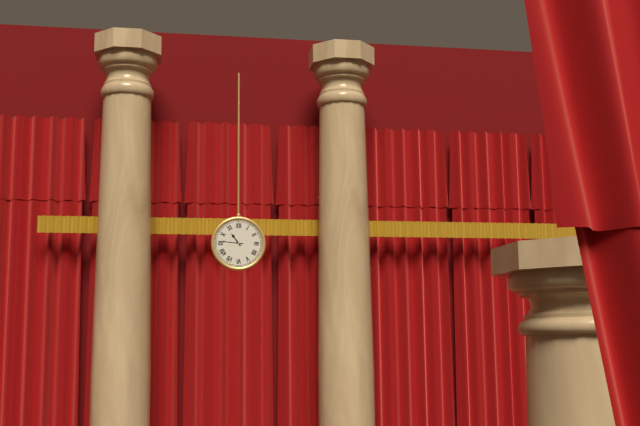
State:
10h46
